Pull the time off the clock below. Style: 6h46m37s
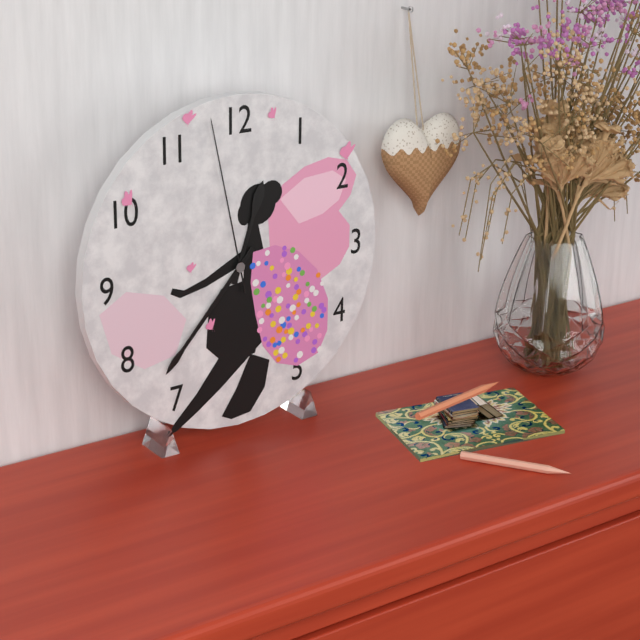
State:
12h37m58s
